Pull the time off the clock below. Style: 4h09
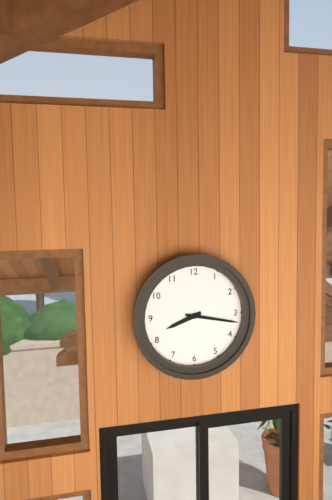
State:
8h17
